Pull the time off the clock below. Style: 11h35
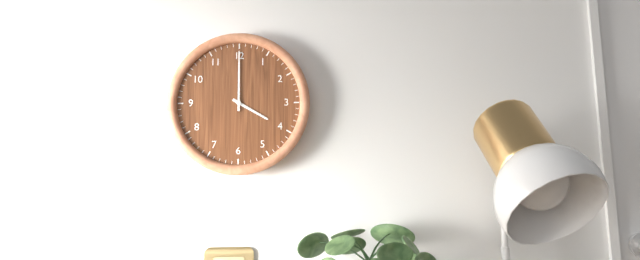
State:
4h00
